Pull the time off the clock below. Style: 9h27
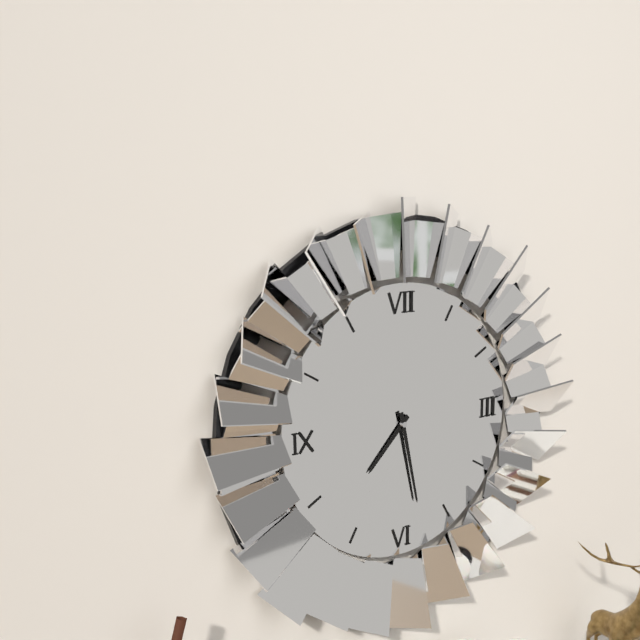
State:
7h28
